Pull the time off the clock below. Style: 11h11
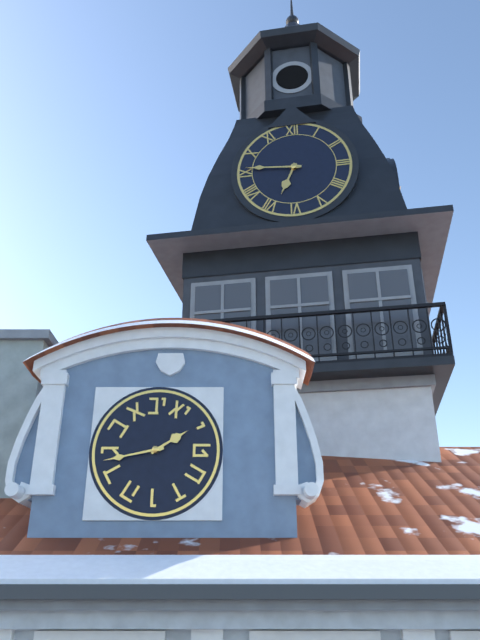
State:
6h46
